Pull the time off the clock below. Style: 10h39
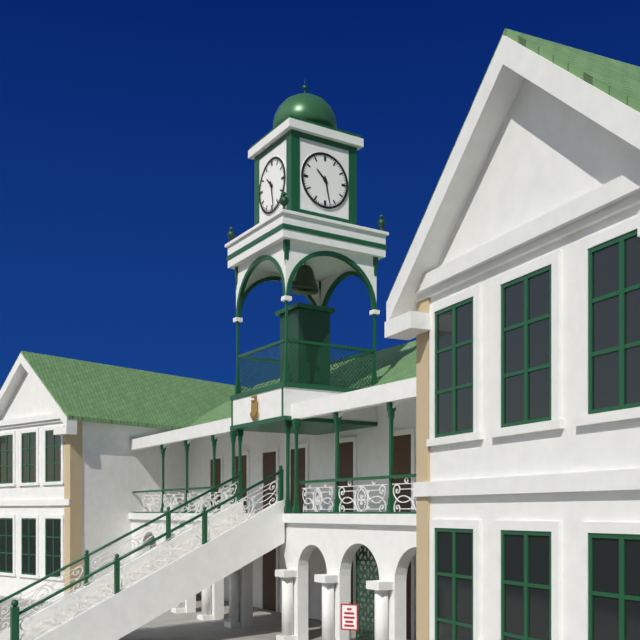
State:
10h28
